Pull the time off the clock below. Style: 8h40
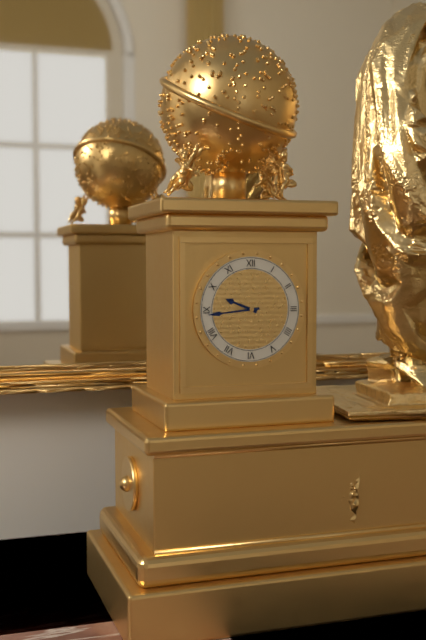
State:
9h44
